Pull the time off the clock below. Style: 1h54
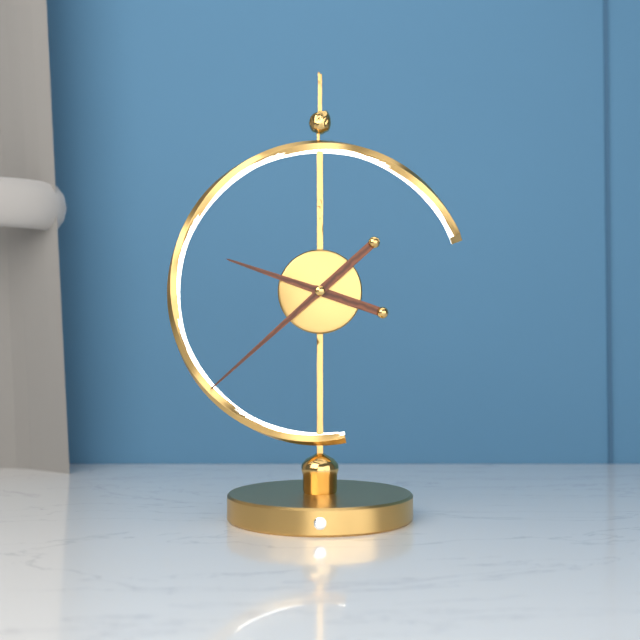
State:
9h38
